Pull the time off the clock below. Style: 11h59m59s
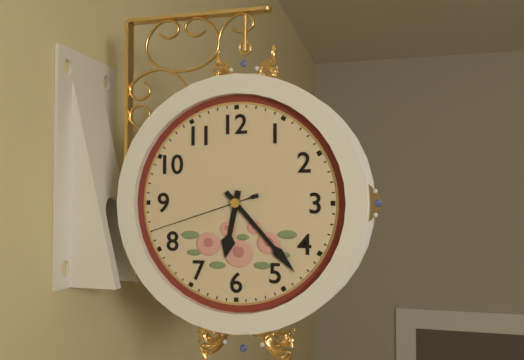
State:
6h23m42s
